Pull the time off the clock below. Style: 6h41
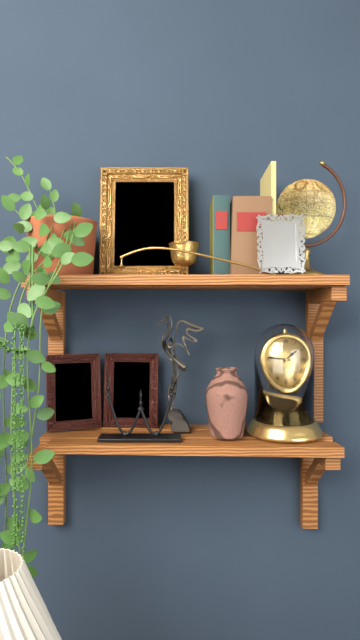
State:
1h46
